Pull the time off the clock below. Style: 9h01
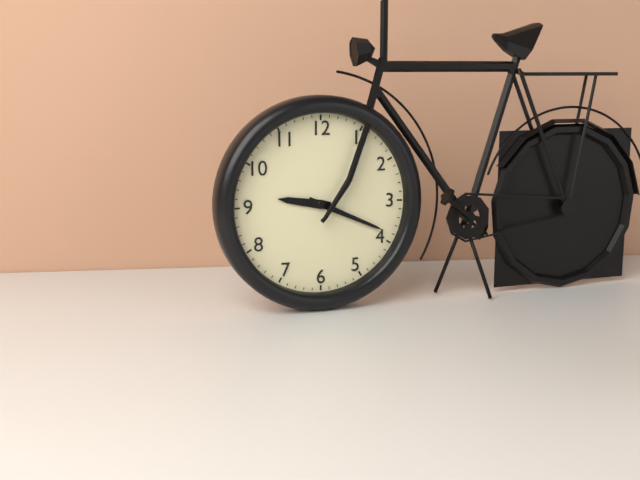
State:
9h19
